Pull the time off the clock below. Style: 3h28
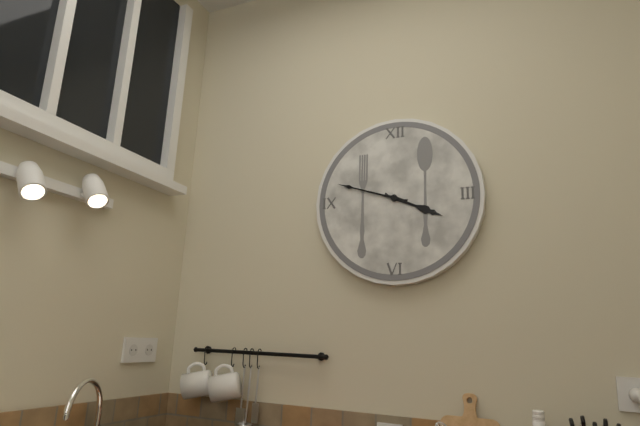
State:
3h48
